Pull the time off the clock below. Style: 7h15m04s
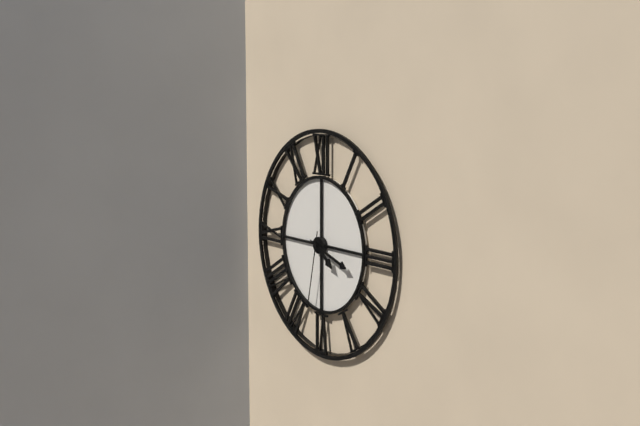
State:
4h18m32s
